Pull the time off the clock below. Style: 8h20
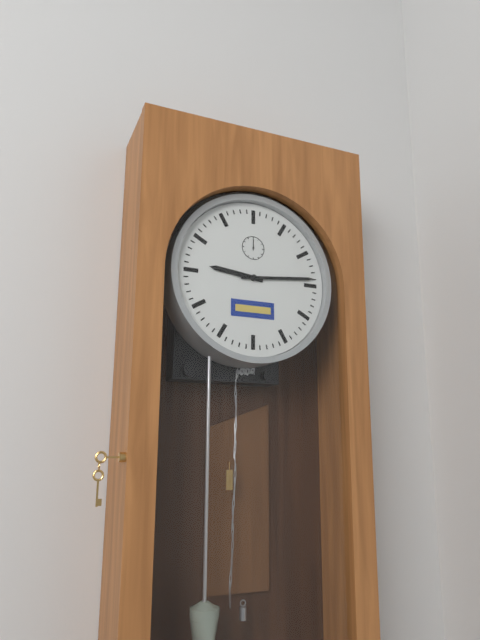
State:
9h14
